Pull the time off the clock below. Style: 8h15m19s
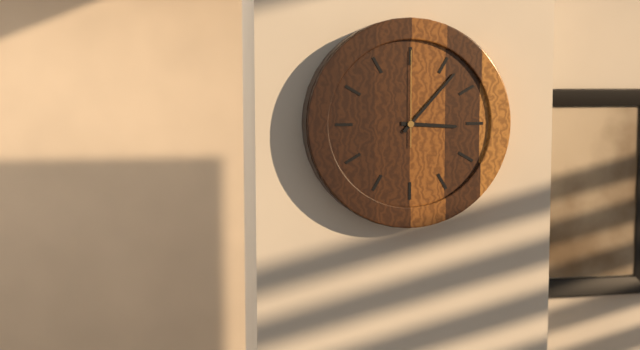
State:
3h07m00s
